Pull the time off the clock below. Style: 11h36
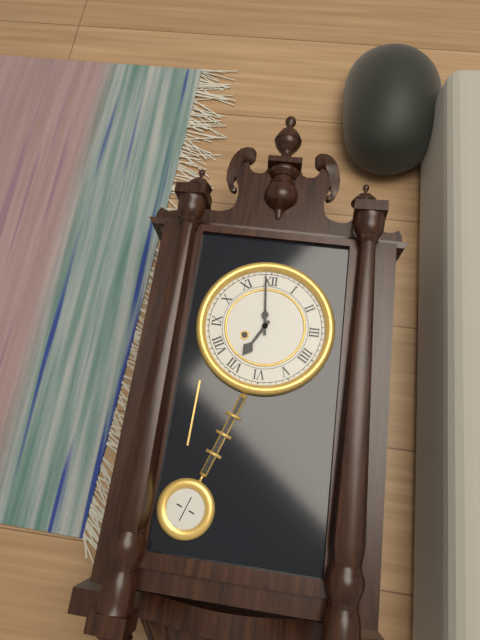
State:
6h59
